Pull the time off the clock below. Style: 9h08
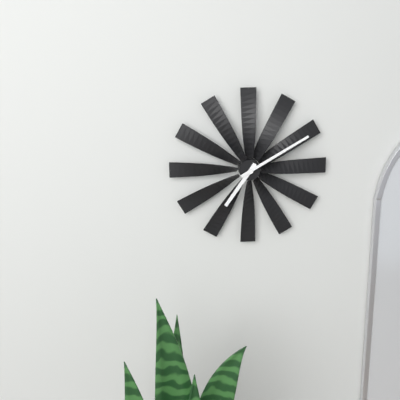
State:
7h10
